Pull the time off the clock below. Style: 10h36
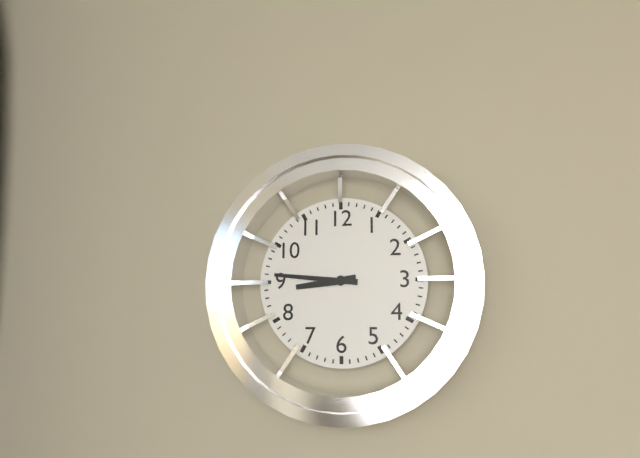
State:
8h46
